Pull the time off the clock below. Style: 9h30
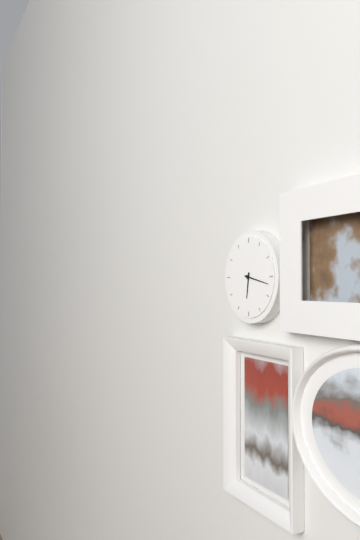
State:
6h17
